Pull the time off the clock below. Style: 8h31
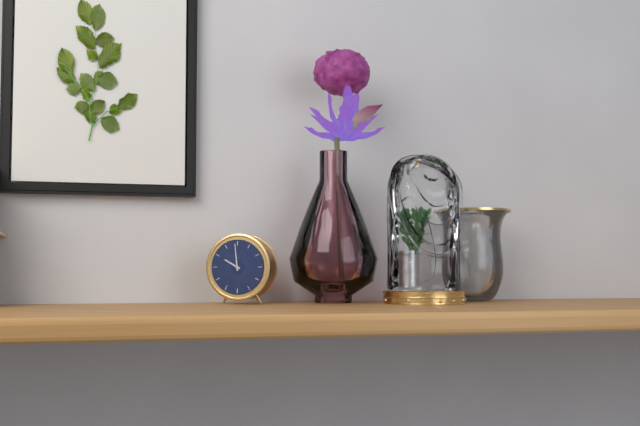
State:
9h59
